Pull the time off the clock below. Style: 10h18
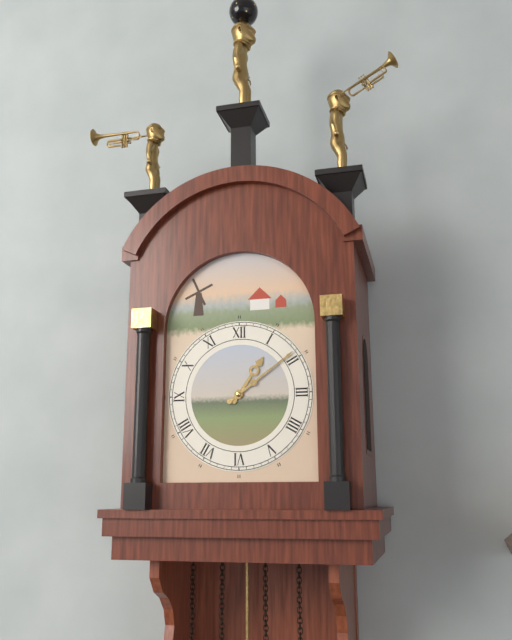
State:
1h09
